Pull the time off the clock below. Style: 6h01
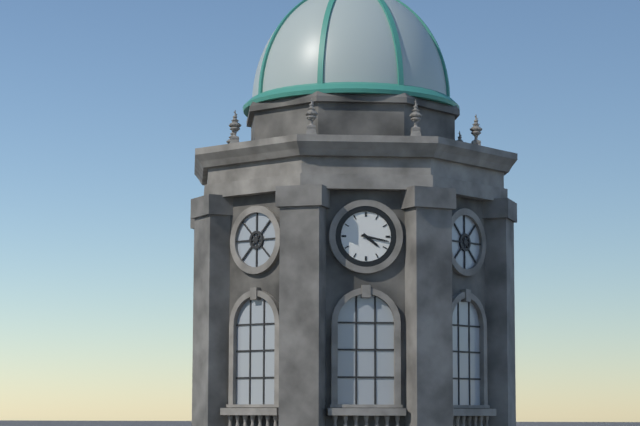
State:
4h17
